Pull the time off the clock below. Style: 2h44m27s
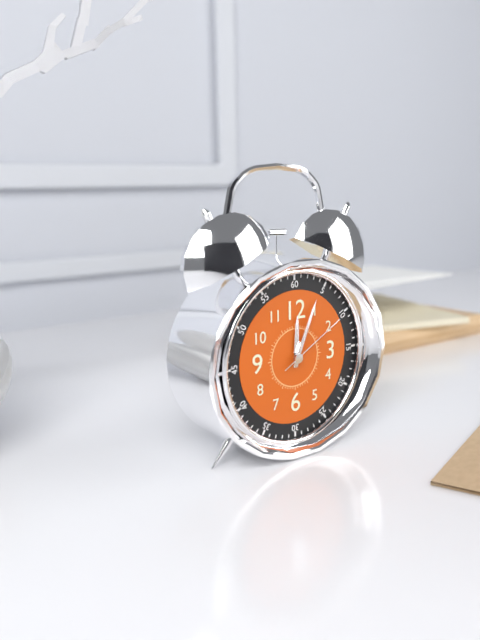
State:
12h04m10s
